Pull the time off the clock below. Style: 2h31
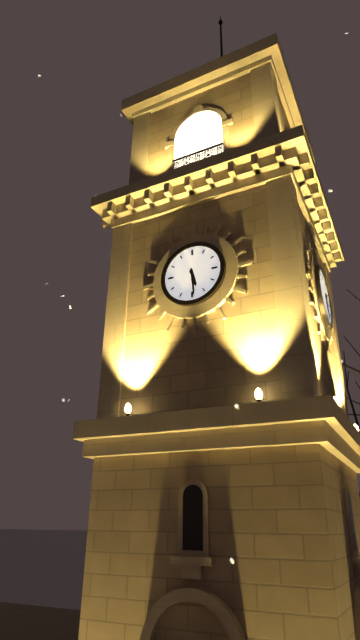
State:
5h29
